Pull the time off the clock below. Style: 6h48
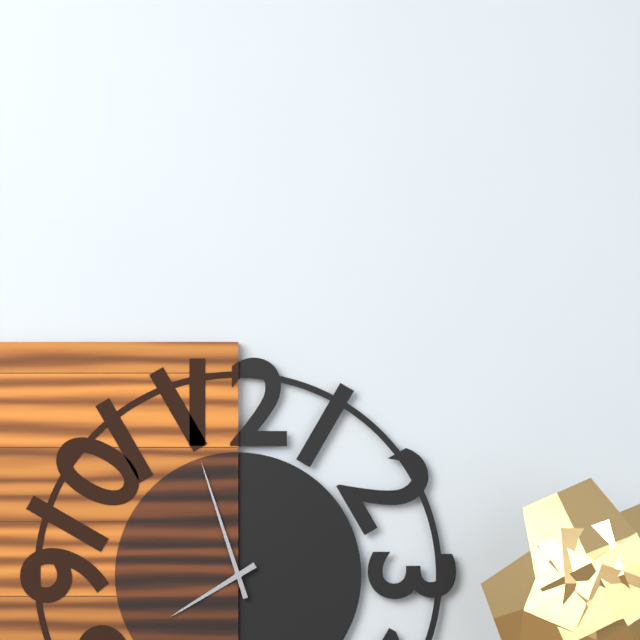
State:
7h57
